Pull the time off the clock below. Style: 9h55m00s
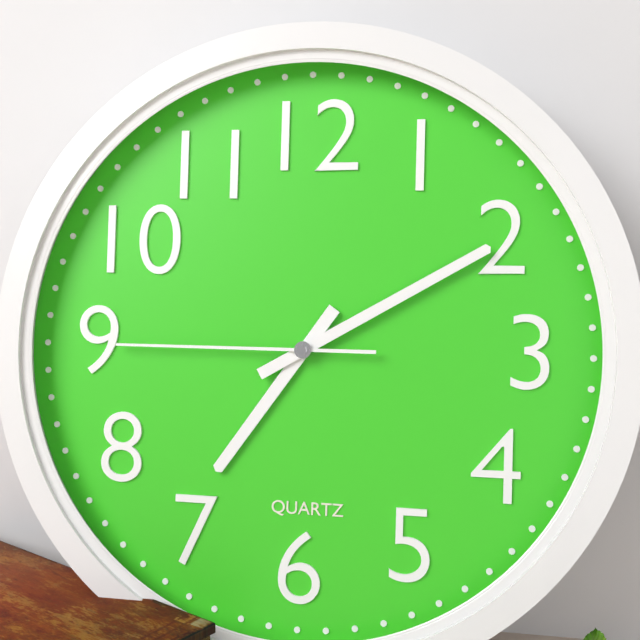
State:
7h10m45s
